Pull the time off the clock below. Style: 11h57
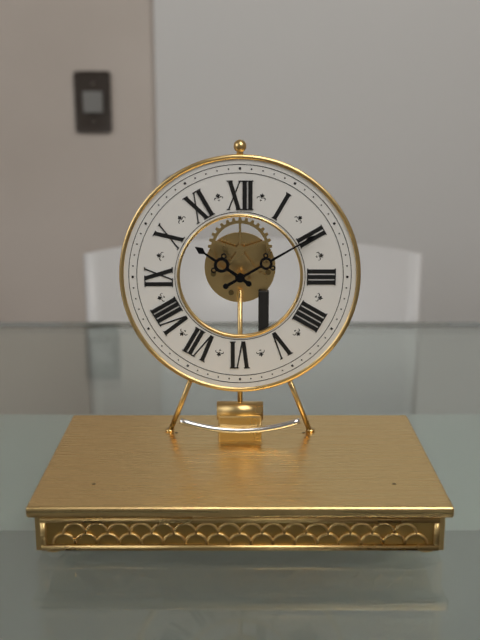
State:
10h10
